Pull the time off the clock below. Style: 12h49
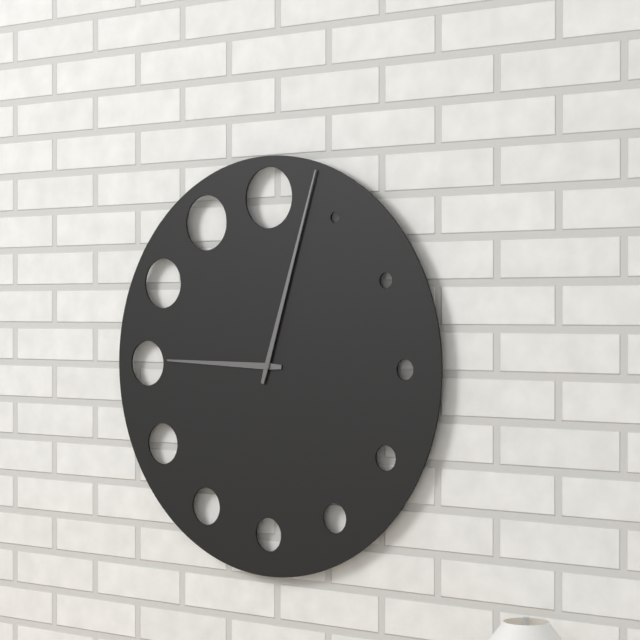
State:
9h03
